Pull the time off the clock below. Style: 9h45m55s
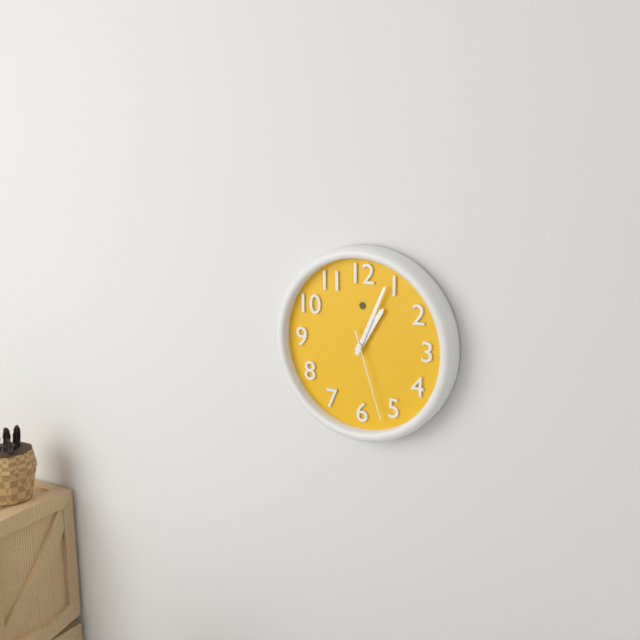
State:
1h04m27s
